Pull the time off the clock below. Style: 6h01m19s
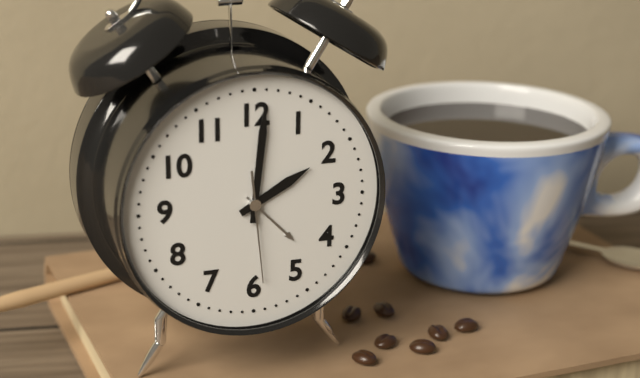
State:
2h01m29s
